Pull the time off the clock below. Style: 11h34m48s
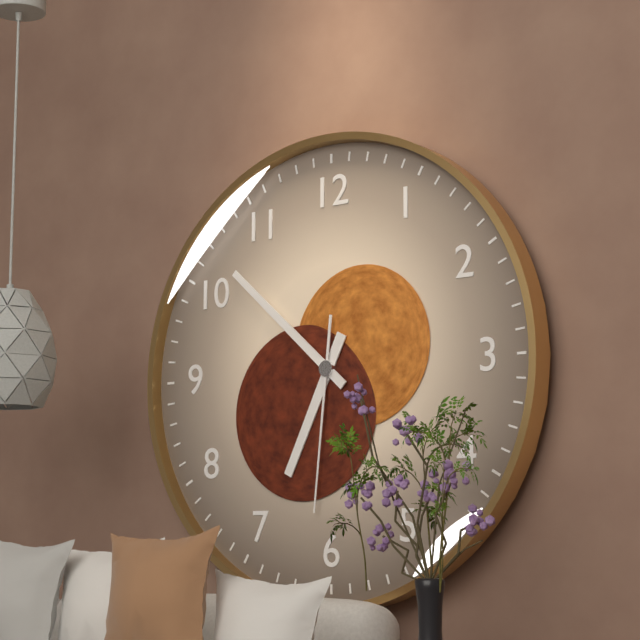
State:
6h52m31s
